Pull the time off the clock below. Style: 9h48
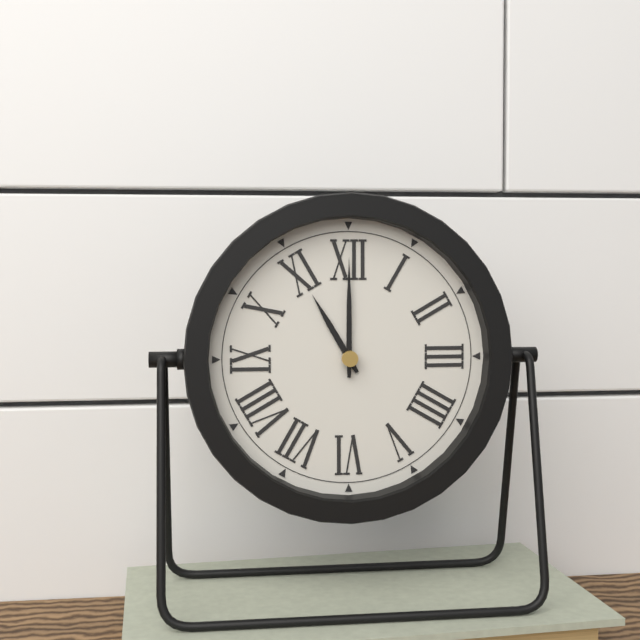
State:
11h00
